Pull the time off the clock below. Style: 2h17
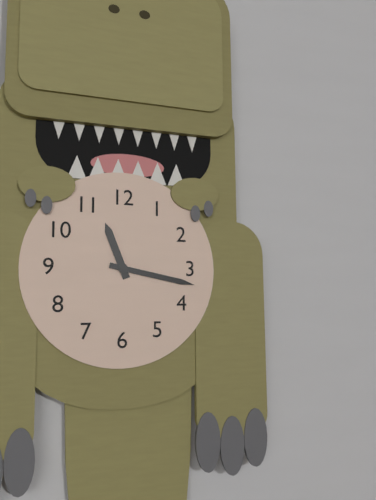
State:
11h17
